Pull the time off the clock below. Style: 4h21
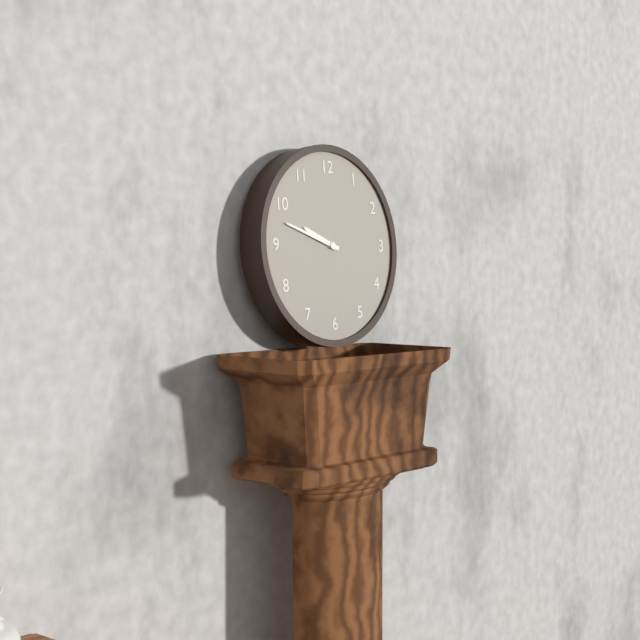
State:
9h48
